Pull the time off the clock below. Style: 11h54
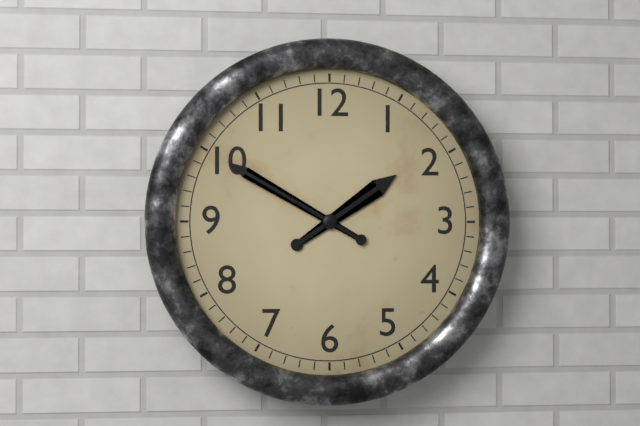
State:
1h50
